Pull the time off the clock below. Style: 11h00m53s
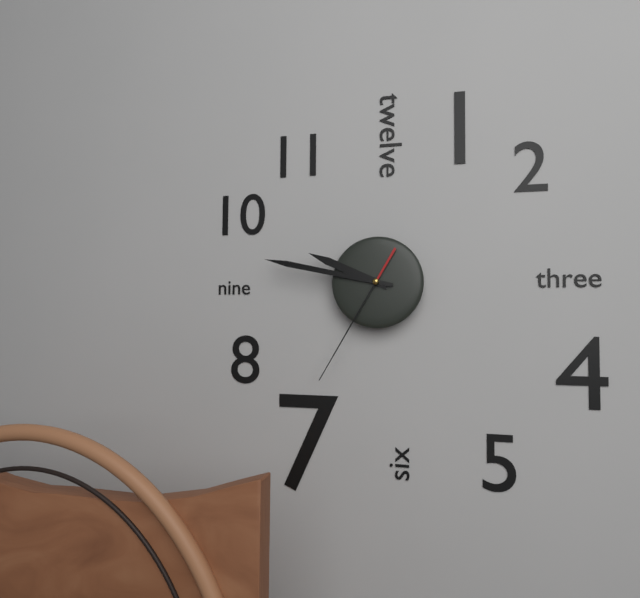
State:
9h47m35s
